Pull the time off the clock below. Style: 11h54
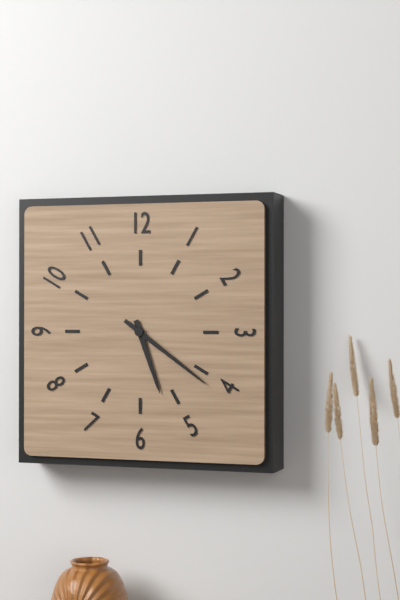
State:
5h21
